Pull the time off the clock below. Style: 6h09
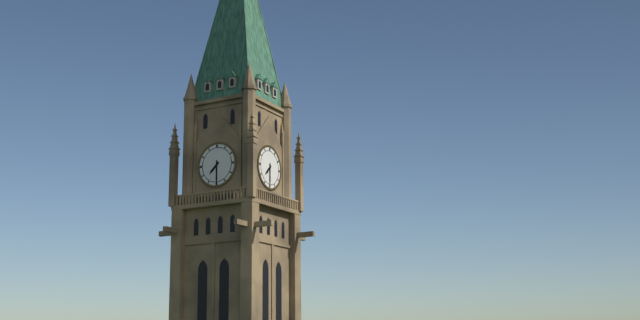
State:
7h30
